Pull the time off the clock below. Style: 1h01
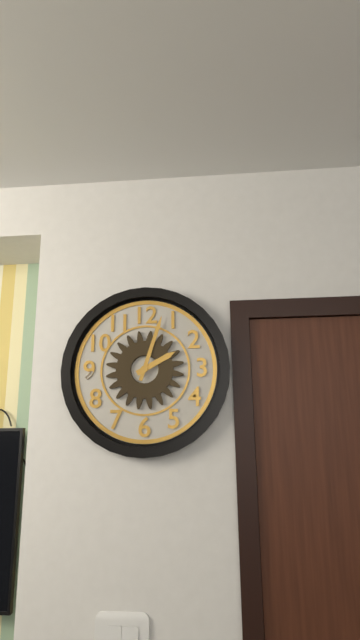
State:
2h03
